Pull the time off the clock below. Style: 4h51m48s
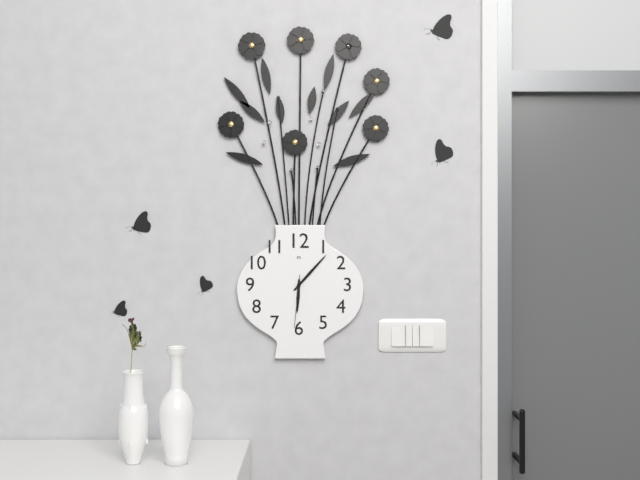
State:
6h07m31s
